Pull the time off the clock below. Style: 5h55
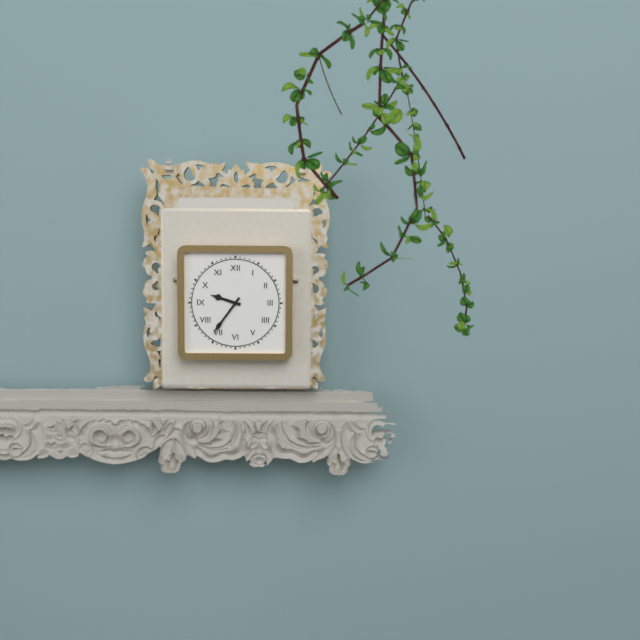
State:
9h36
